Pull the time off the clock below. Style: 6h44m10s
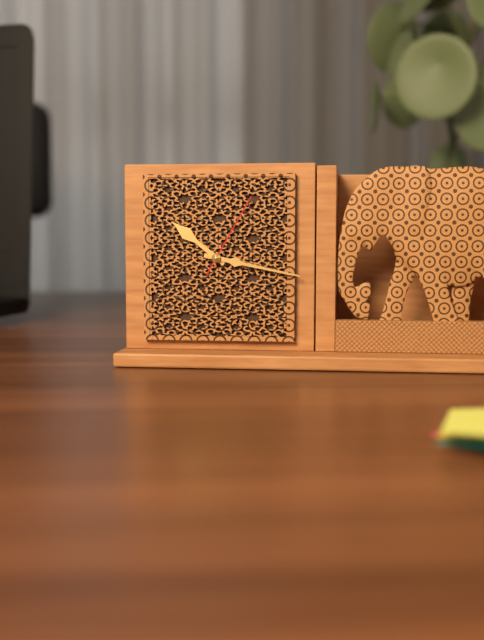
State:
10h17m05s
